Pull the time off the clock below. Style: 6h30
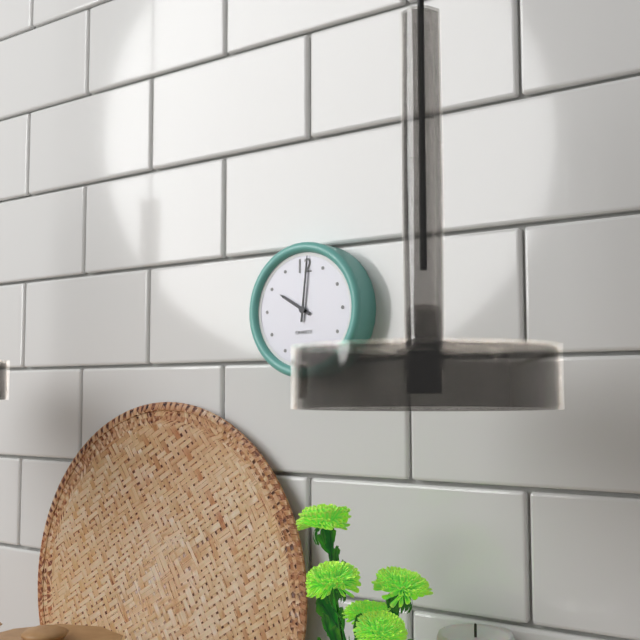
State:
10h01
